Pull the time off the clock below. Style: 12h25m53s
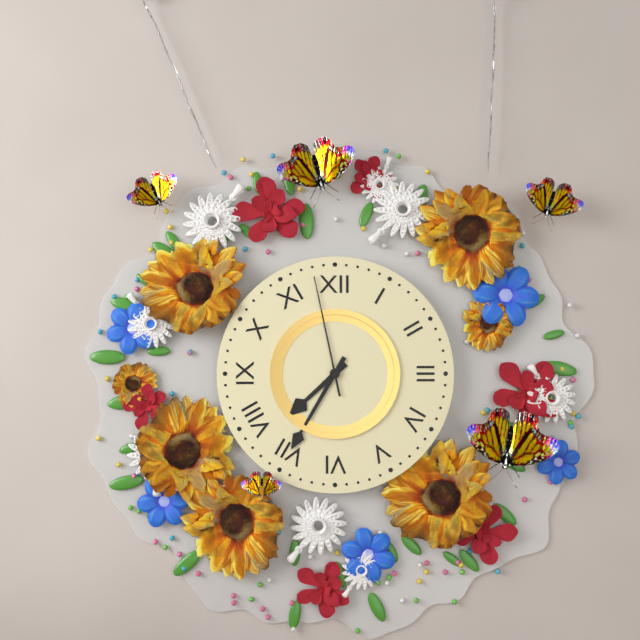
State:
7h35m58s
